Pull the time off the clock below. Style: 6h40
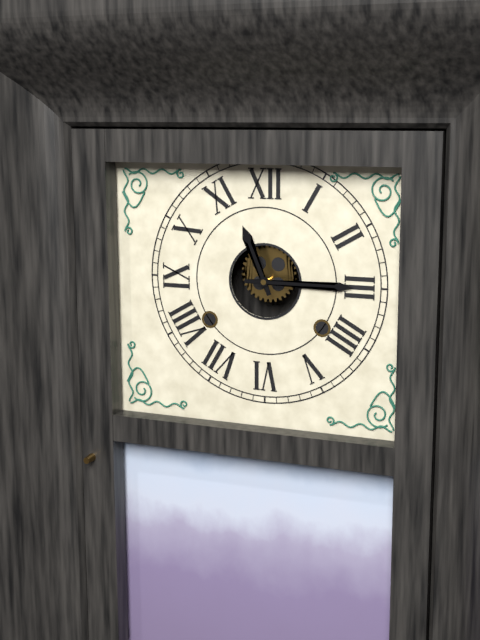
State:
11h15
